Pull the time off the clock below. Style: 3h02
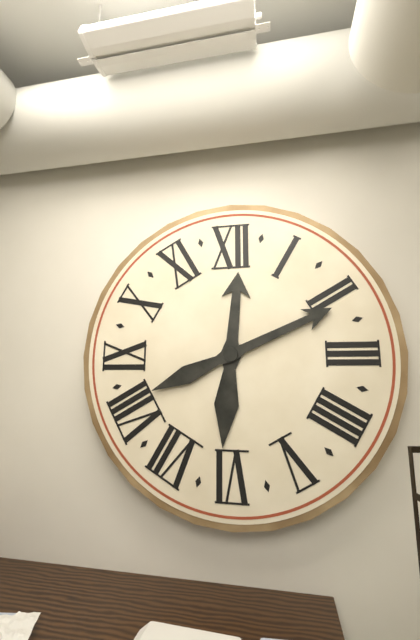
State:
12h11
